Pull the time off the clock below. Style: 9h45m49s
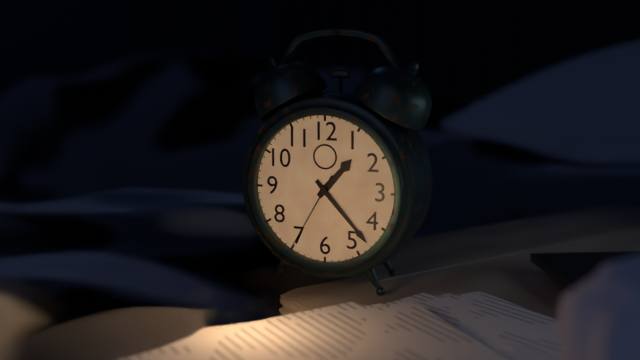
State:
1h23m35s
